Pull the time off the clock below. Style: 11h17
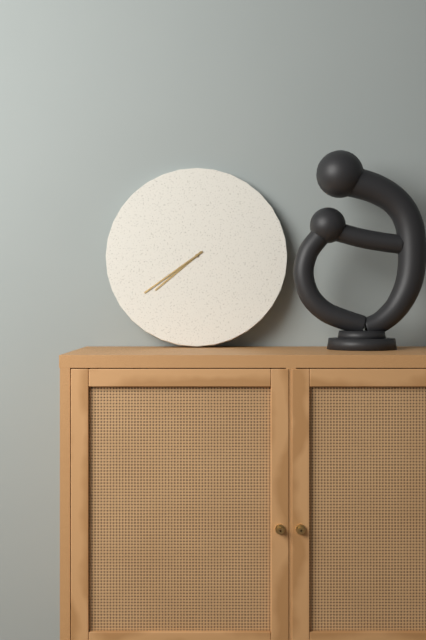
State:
7h39
